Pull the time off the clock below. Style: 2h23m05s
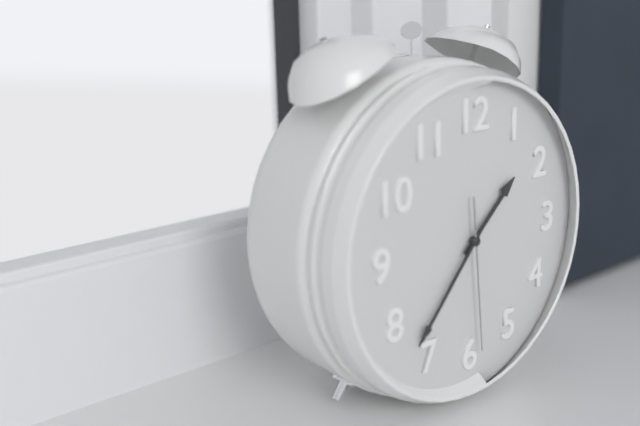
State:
1h37m29s
